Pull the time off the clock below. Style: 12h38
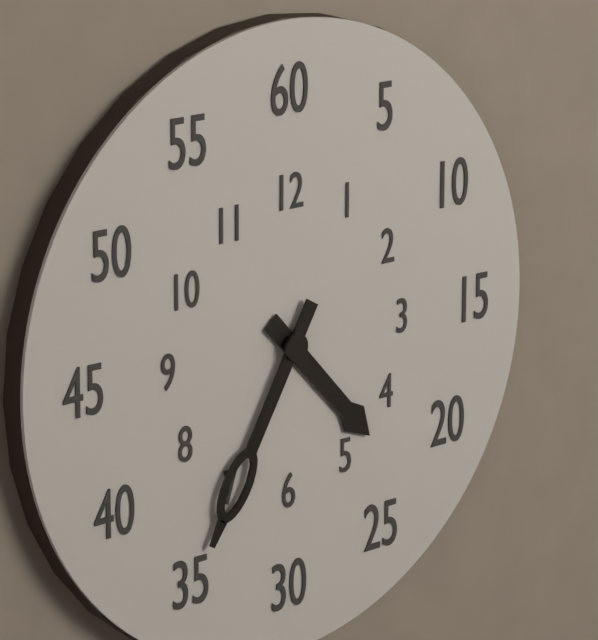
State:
4h35
